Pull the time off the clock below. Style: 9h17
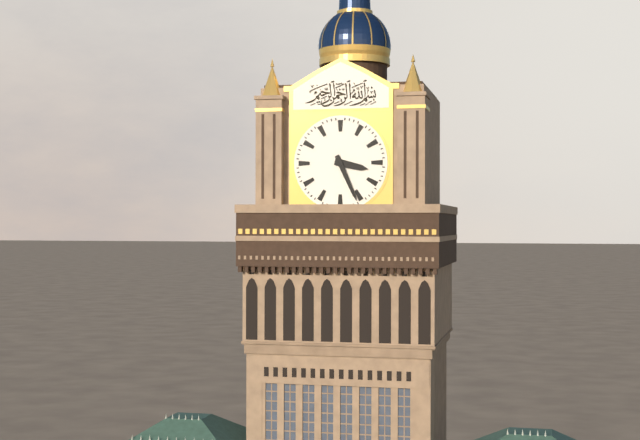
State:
3h26
